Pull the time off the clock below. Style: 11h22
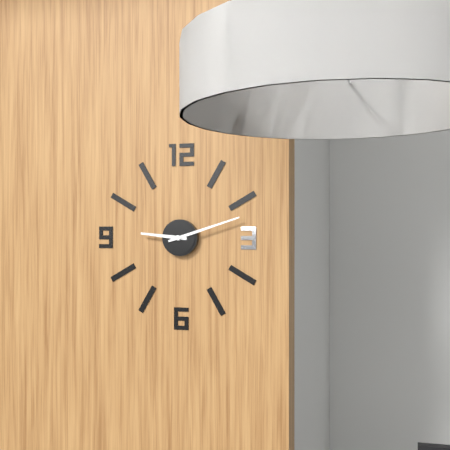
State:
9h12
